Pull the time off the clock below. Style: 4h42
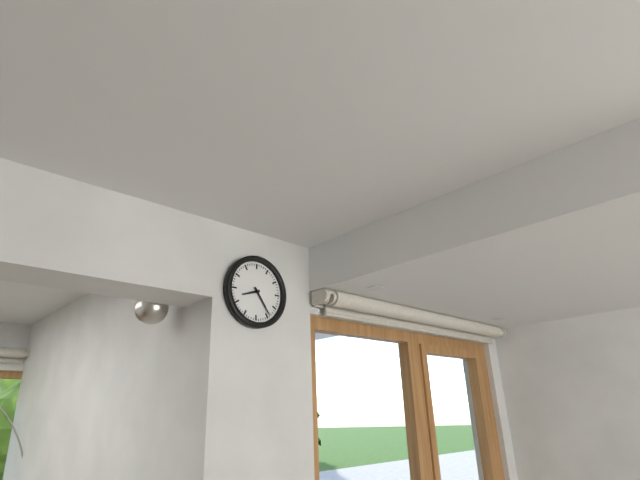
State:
8h24
